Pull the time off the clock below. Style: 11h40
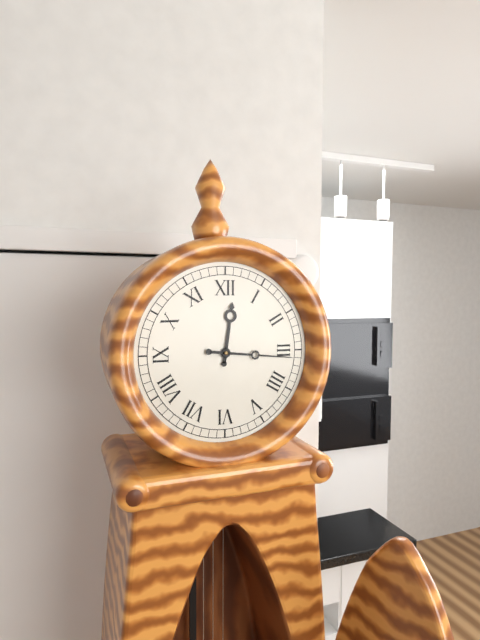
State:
12h16
